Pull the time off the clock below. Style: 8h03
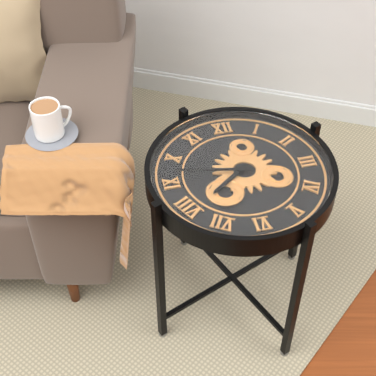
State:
7h47
